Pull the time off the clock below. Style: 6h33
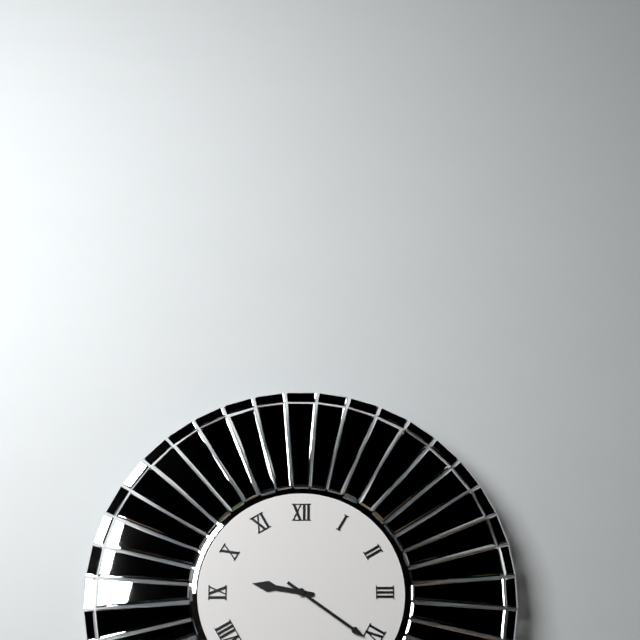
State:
9h21
